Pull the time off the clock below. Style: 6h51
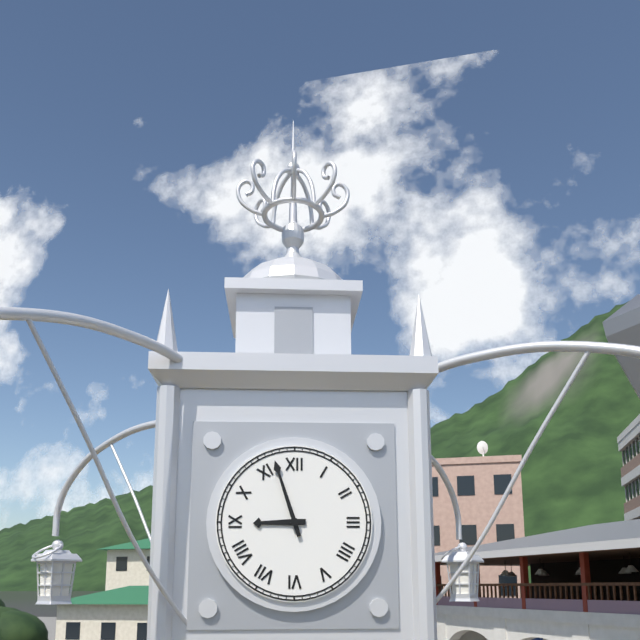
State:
8h57
